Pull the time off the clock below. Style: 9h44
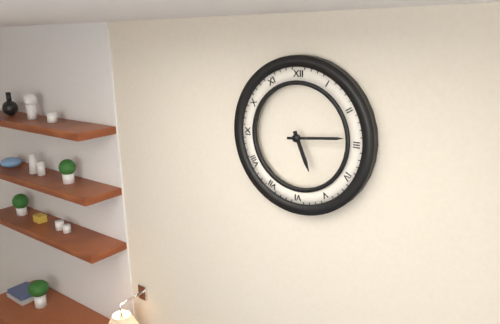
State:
5h14
